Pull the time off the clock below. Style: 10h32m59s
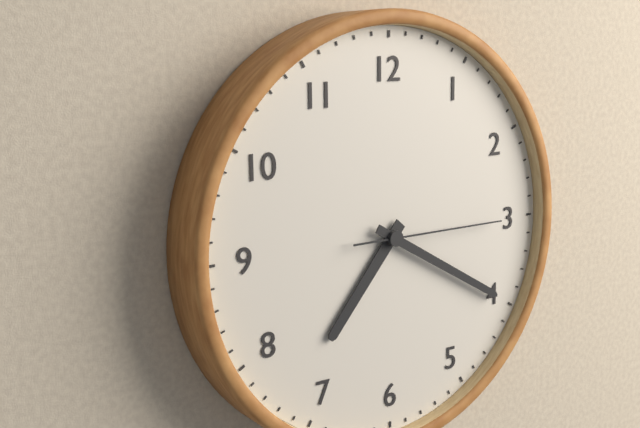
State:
7h20m15s
